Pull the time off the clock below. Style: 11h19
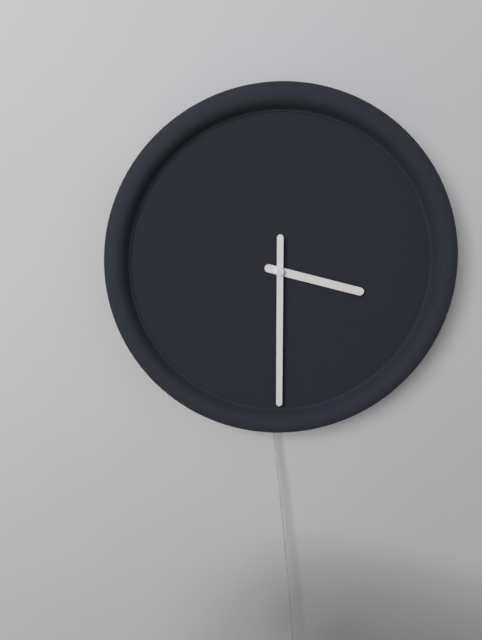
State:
3h30
